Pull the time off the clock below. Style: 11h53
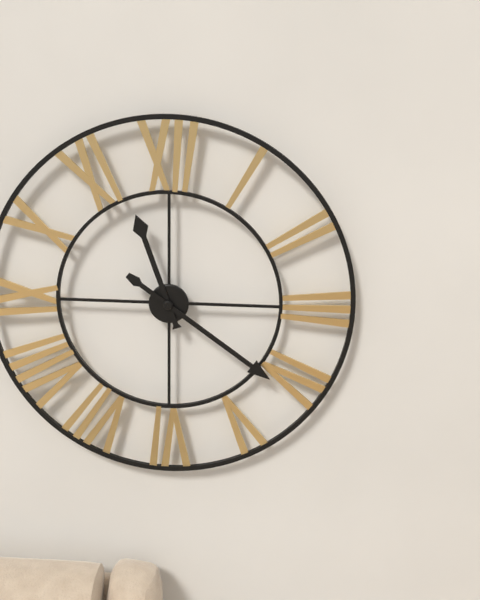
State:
11h21
